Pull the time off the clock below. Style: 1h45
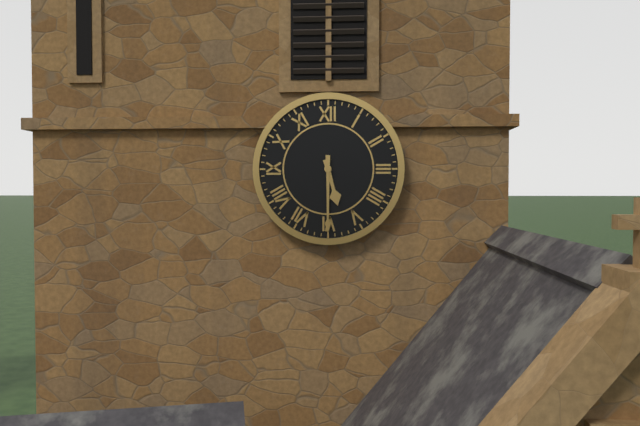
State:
5h30
